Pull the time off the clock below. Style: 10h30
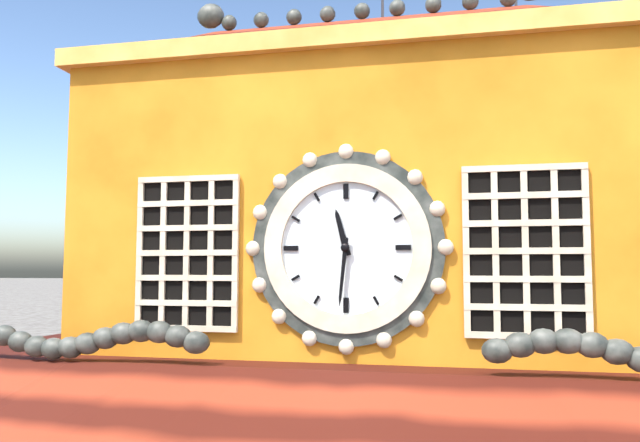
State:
11h31
